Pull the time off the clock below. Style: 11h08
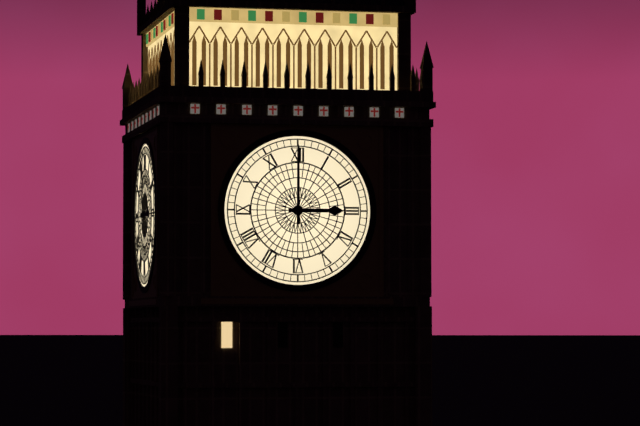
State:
3h00
